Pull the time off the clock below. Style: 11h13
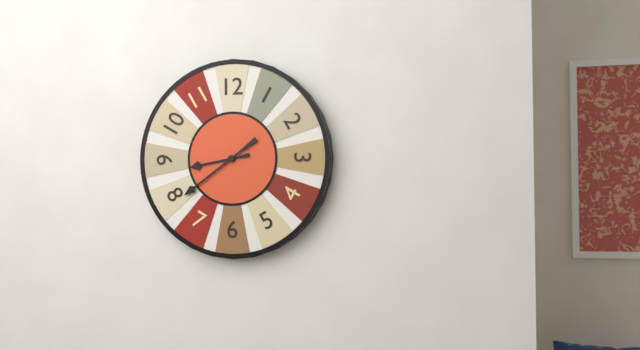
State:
8h39
